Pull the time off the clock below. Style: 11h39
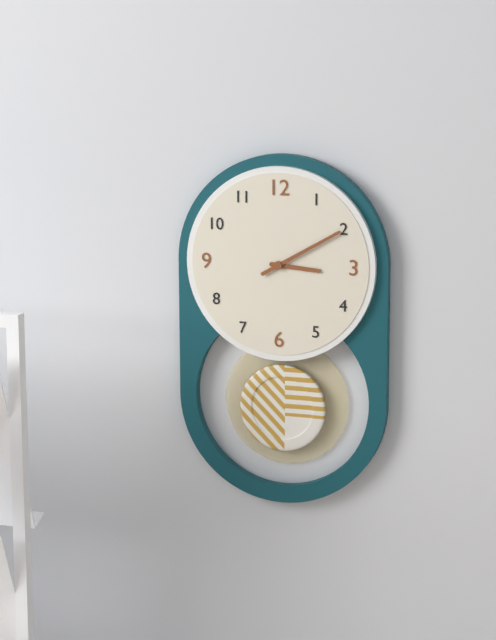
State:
3h10
